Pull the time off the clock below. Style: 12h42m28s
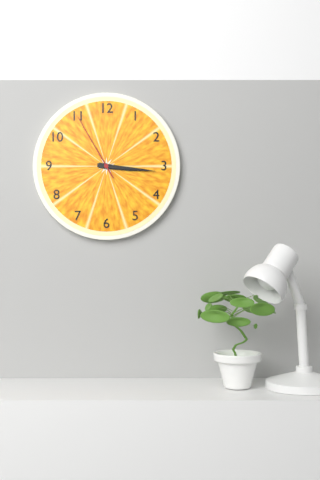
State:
3h16m55s
